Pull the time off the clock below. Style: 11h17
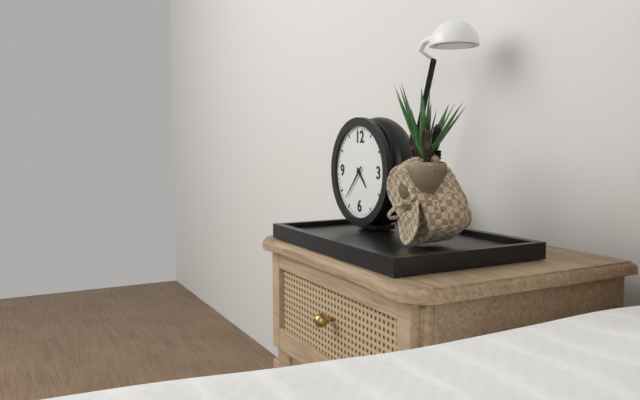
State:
4h37
